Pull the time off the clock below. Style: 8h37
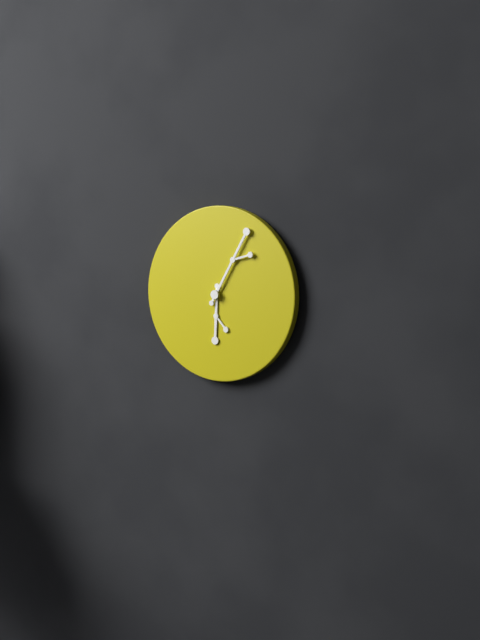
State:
6h05
